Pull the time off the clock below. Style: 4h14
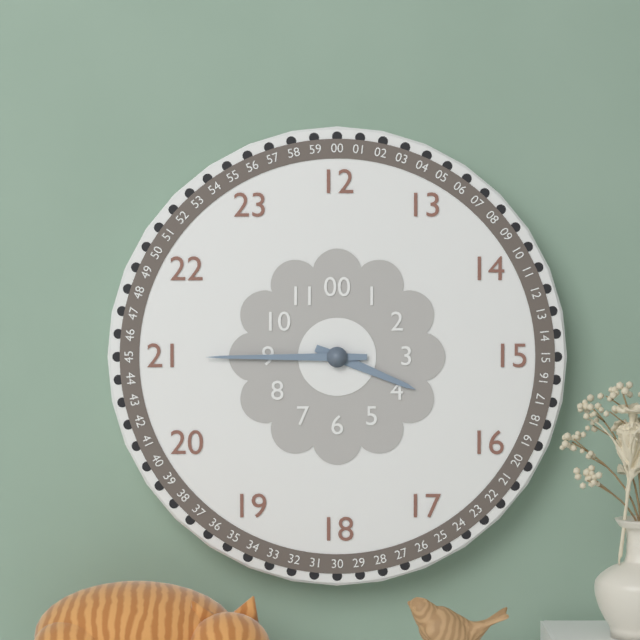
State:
3h45
